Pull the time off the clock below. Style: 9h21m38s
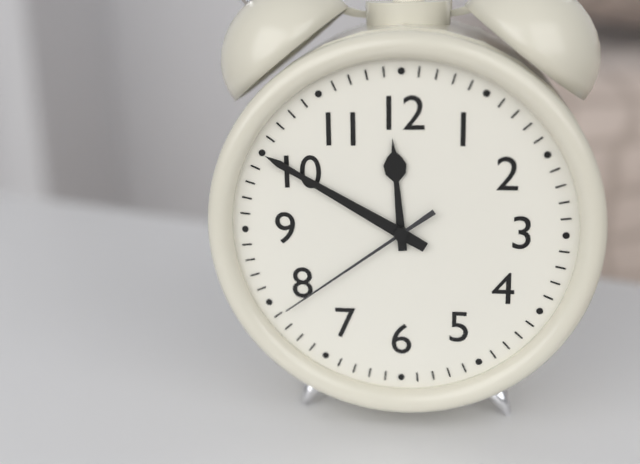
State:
11h50m39s
